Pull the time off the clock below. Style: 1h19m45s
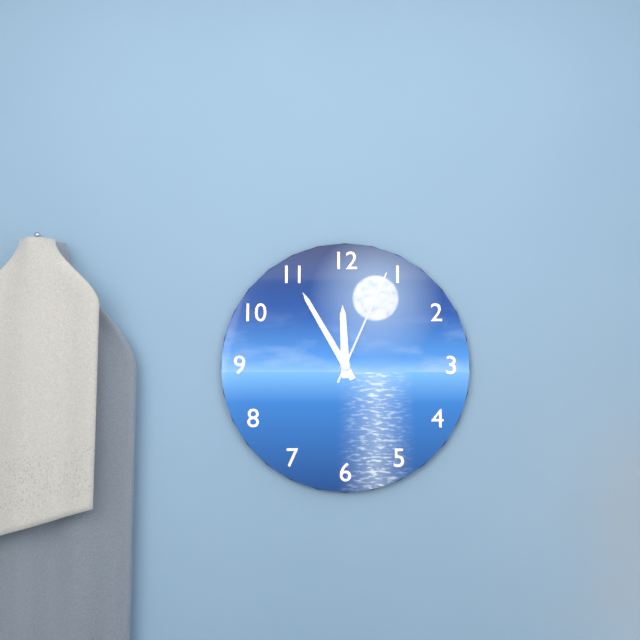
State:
11h55m04s
